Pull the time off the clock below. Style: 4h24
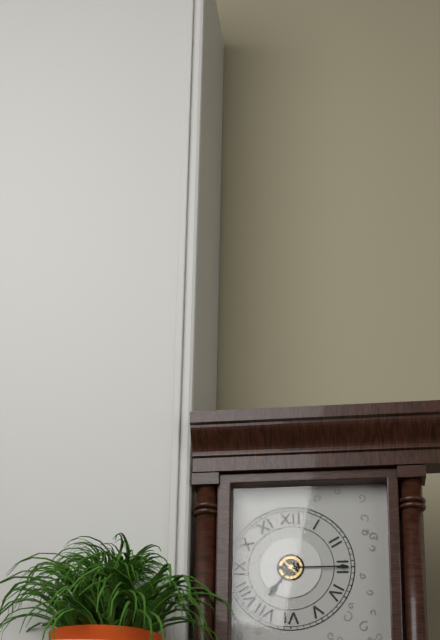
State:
7h15
